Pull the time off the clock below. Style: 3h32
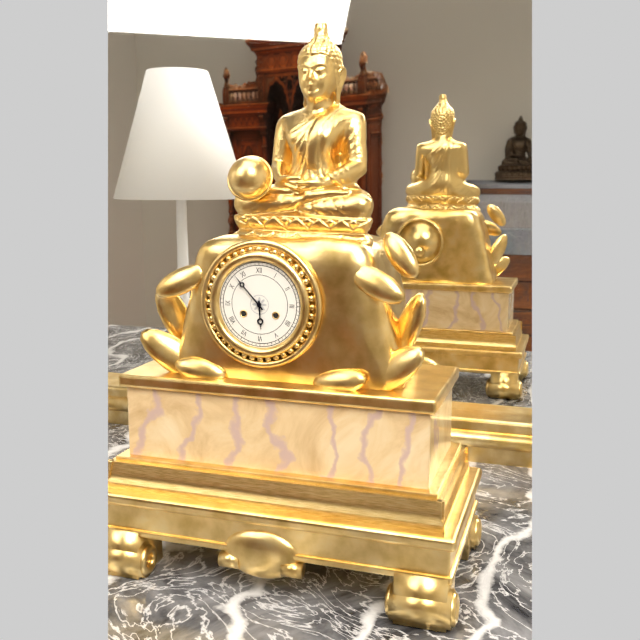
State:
5h53
